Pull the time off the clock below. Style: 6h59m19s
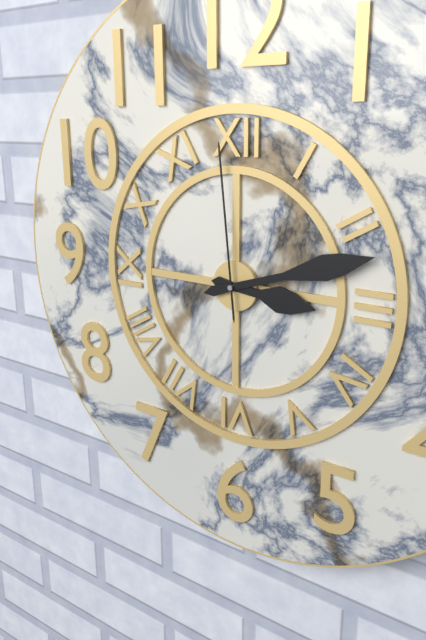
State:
3h12m59s
